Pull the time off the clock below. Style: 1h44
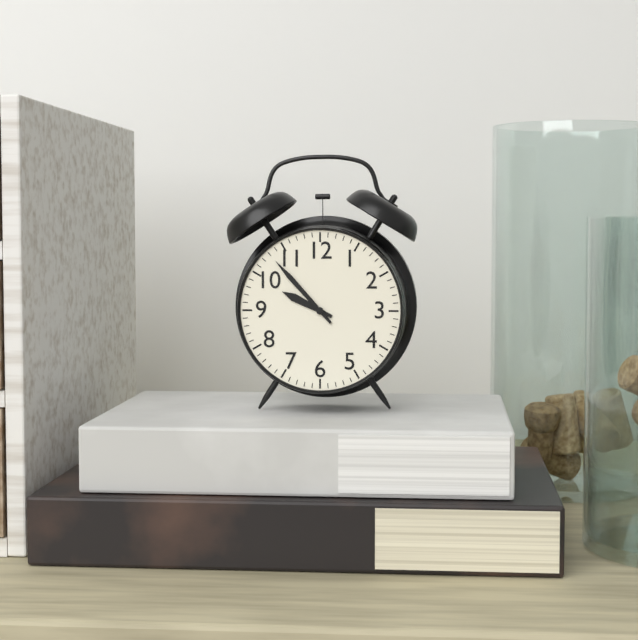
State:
9h53
